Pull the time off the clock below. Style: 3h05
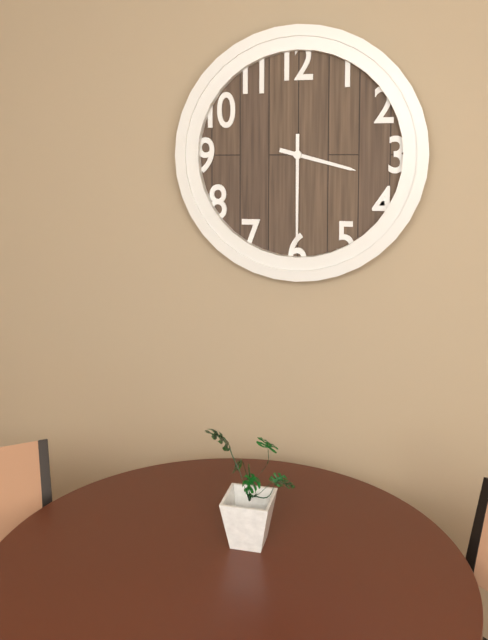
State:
3h30
